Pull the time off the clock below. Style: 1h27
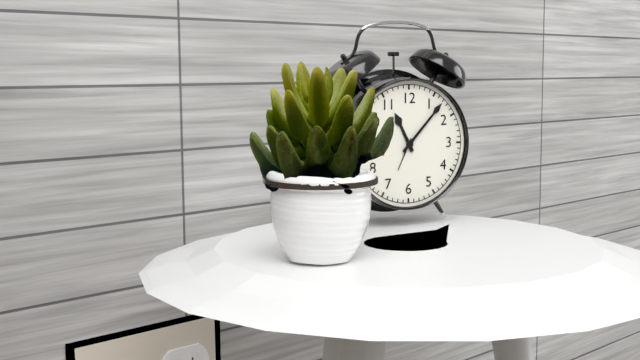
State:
11h07
